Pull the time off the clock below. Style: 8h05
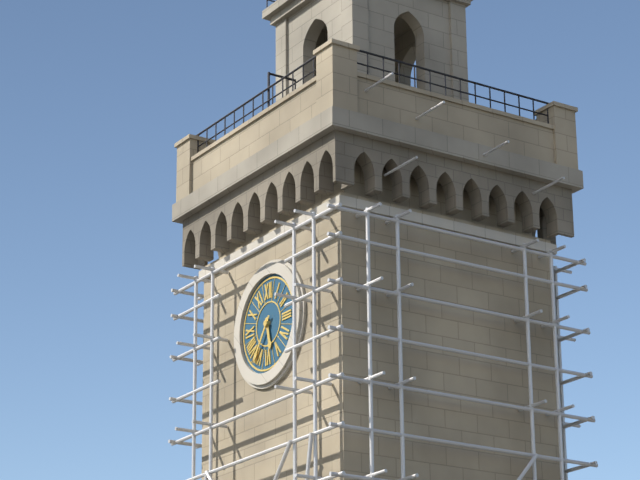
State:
5h36
